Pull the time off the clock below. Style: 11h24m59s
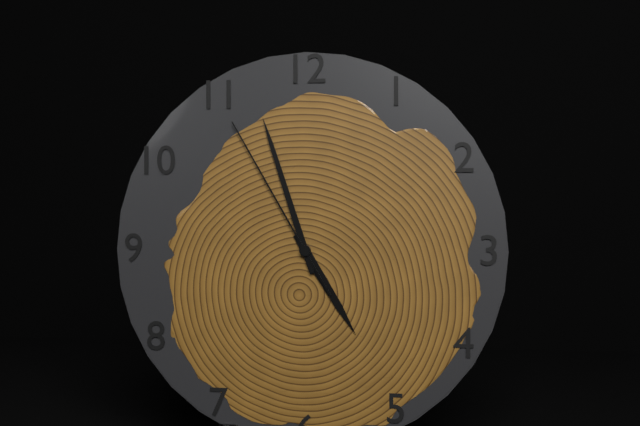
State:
4h57m55s
